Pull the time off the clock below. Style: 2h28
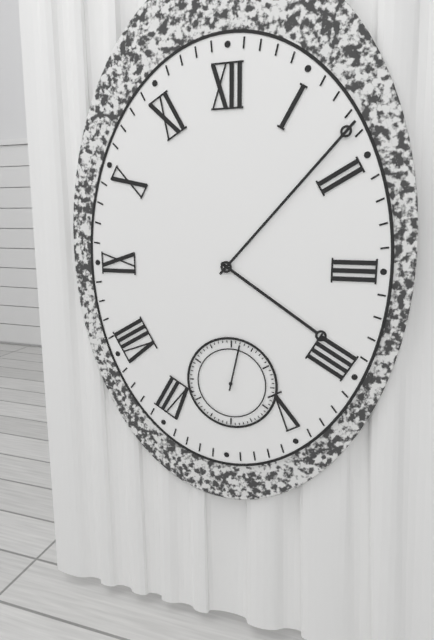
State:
4h07
